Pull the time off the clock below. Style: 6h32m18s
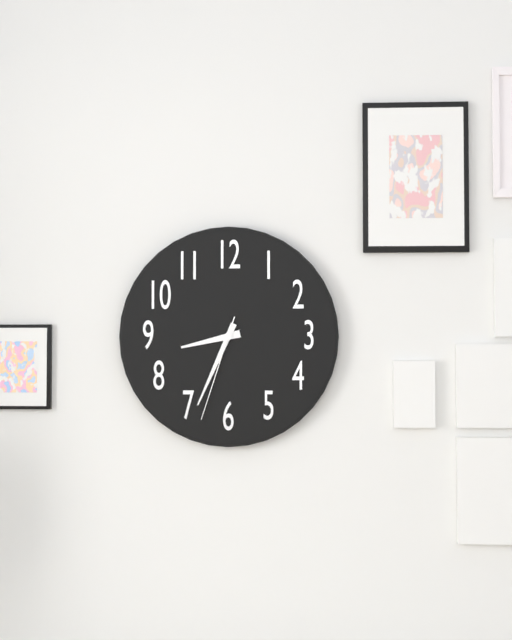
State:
8h34m33s
